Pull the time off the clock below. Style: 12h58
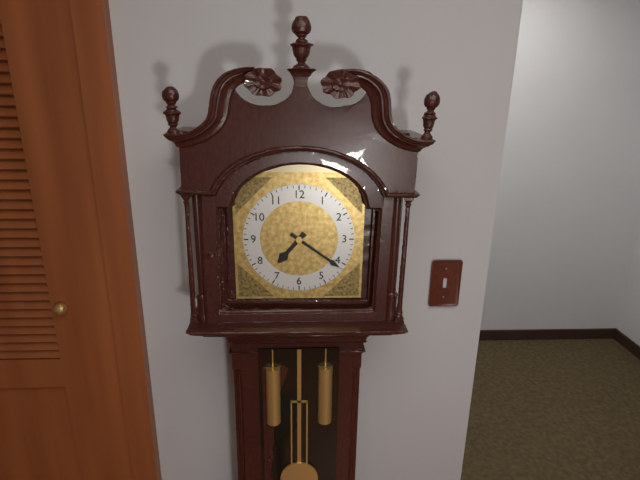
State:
7h21
